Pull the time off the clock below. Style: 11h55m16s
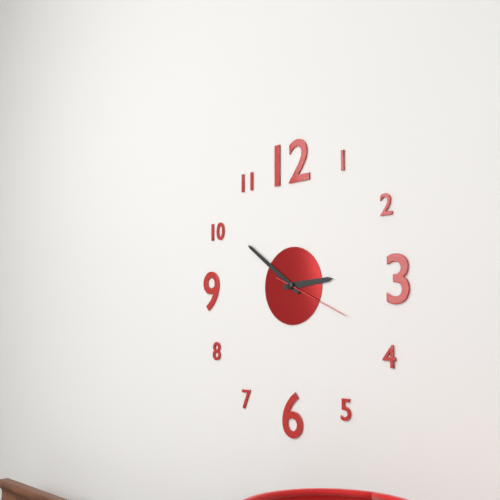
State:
2h51m19s
